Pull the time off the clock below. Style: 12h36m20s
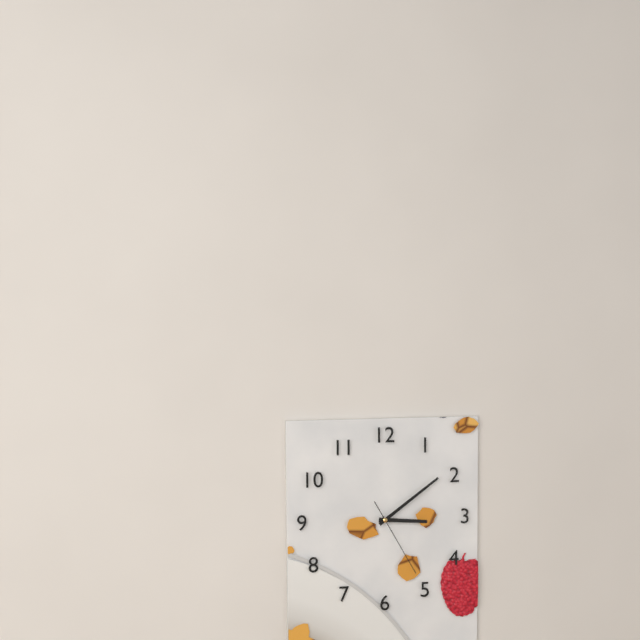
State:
3h09m25s
